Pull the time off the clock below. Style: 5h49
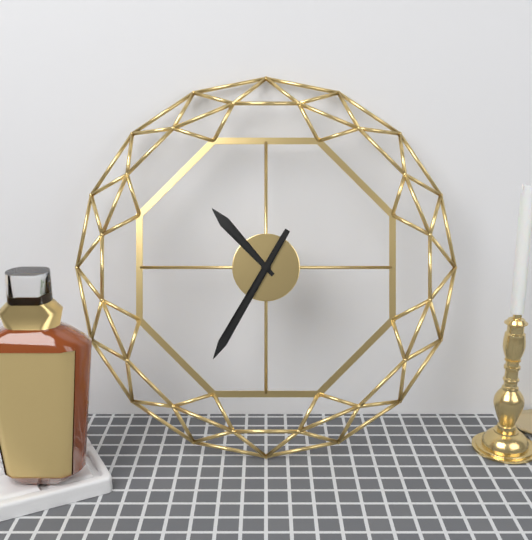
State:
10h35
